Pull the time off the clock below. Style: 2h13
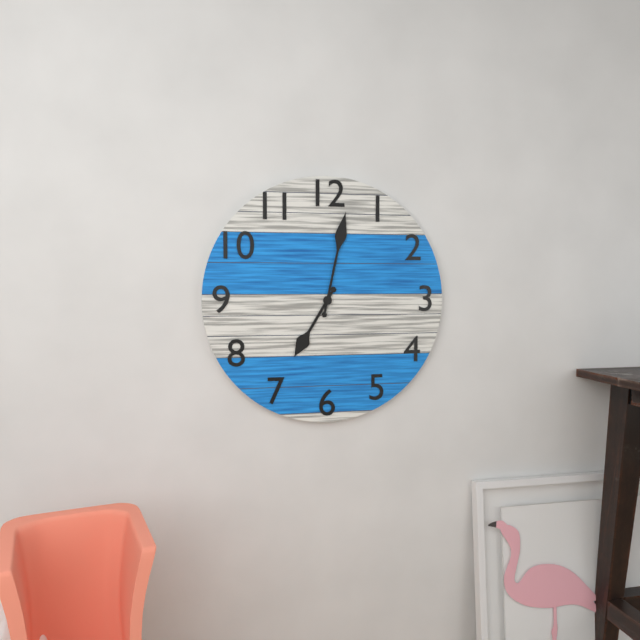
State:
7h02
